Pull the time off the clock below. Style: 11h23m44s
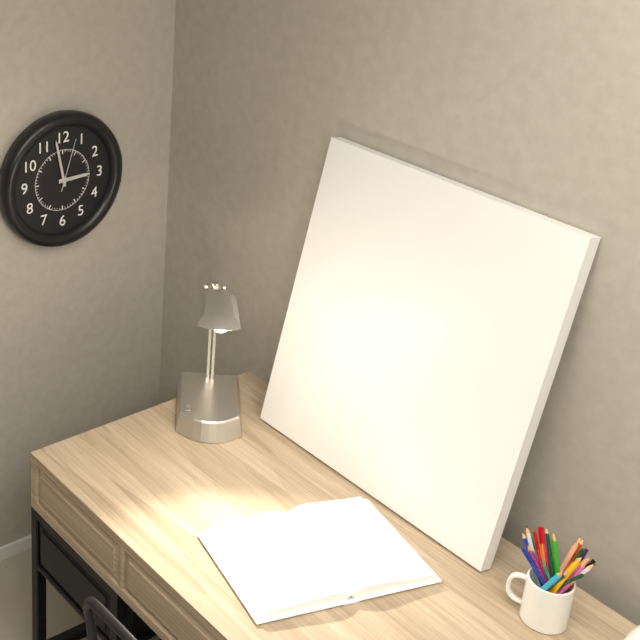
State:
2h58m03s
